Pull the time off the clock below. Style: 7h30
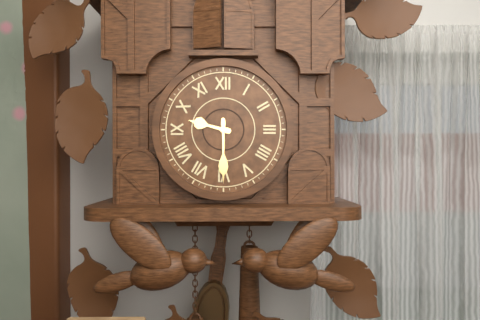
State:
9h30
